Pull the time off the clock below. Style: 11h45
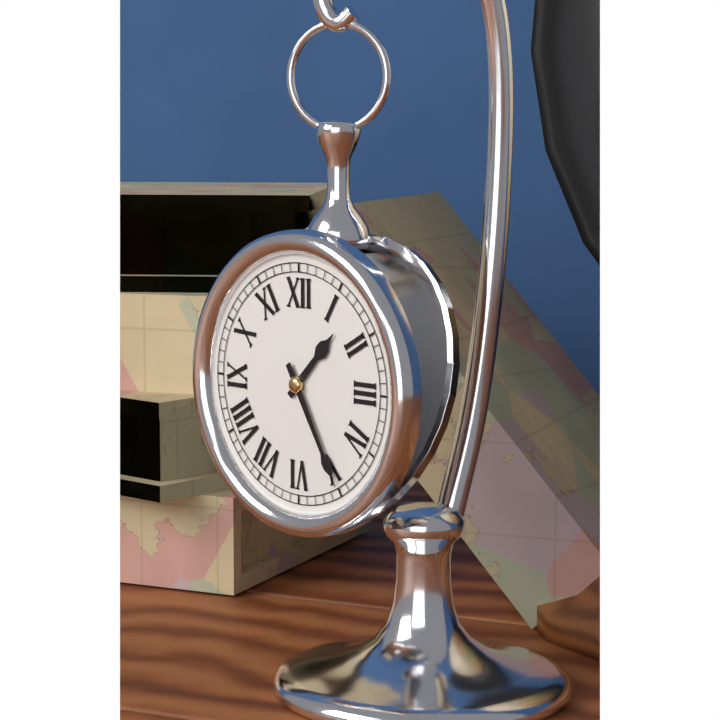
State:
1h25
